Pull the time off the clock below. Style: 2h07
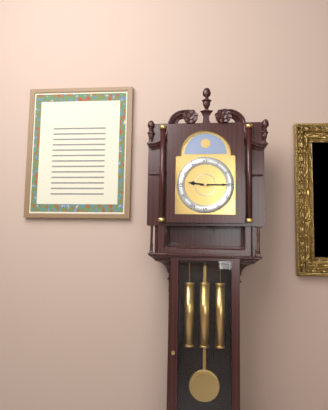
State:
9h15
